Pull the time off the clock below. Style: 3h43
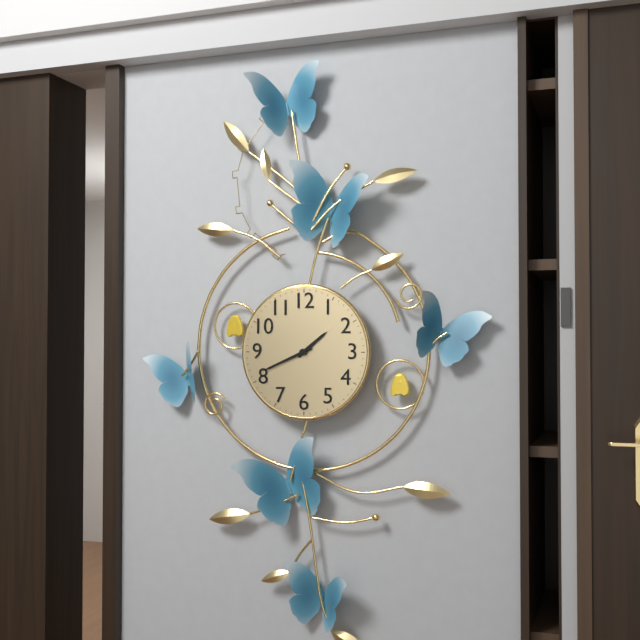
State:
1h41
